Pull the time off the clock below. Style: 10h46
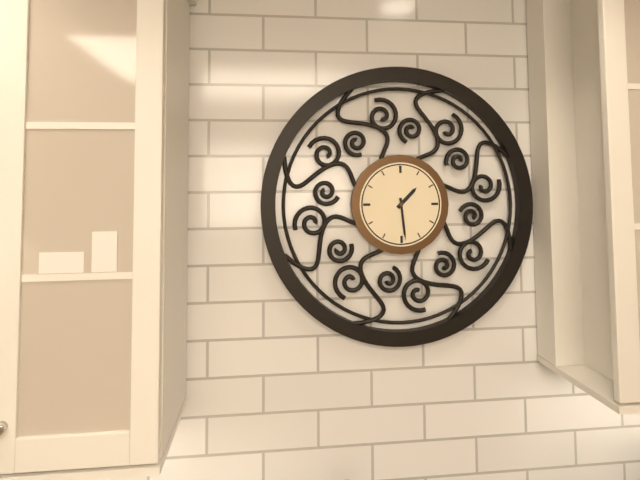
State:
1h29
